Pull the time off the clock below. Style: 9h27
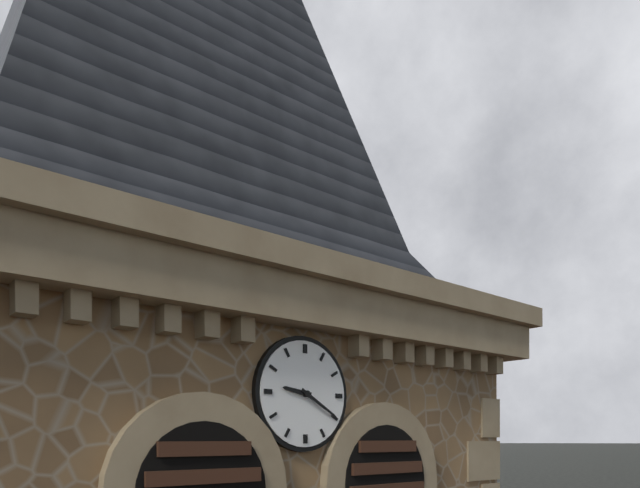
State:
9h20
